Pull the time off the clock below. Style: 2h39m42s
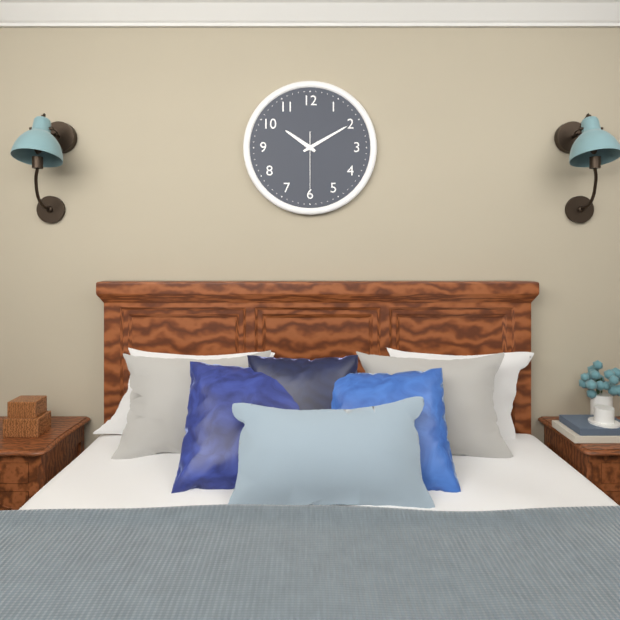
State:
10h10m30s
